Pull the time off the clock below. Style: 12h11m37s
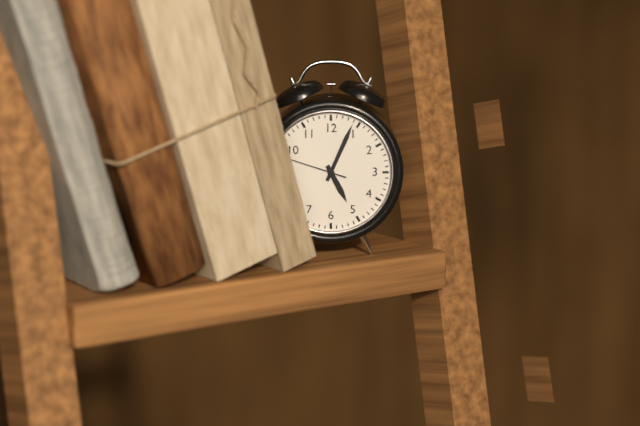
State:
5h04m48s
